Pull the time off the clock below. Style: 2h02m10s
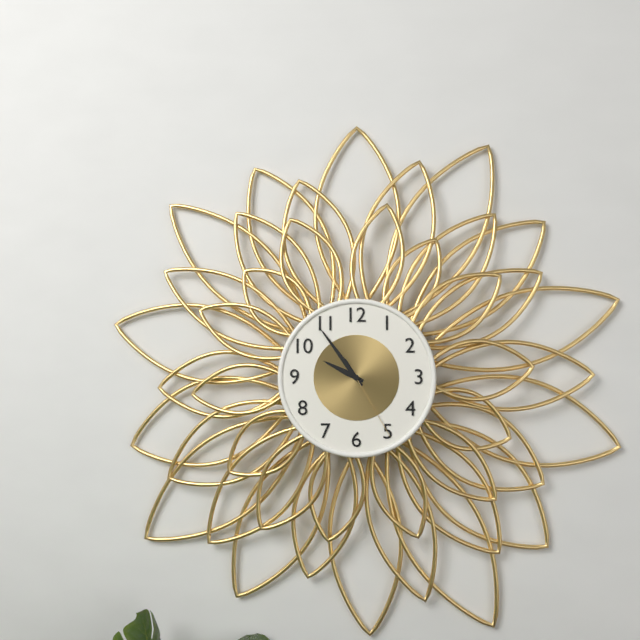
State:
9h54m25s
